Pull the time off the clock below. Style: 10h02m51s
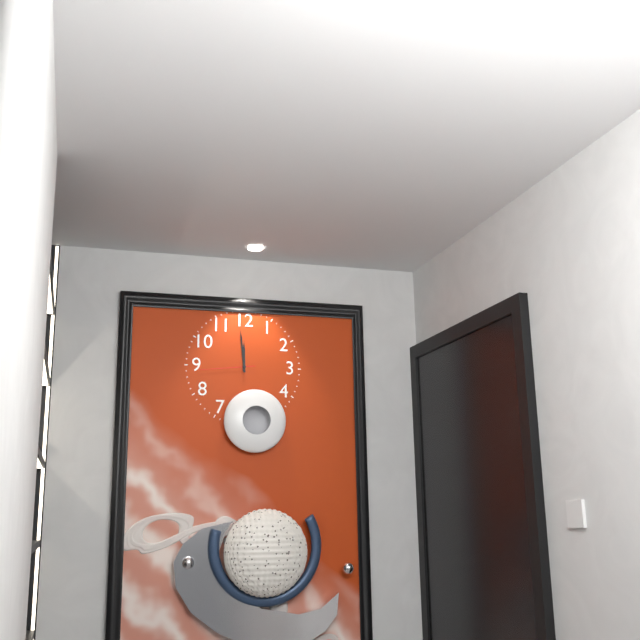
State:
11h59m44s
